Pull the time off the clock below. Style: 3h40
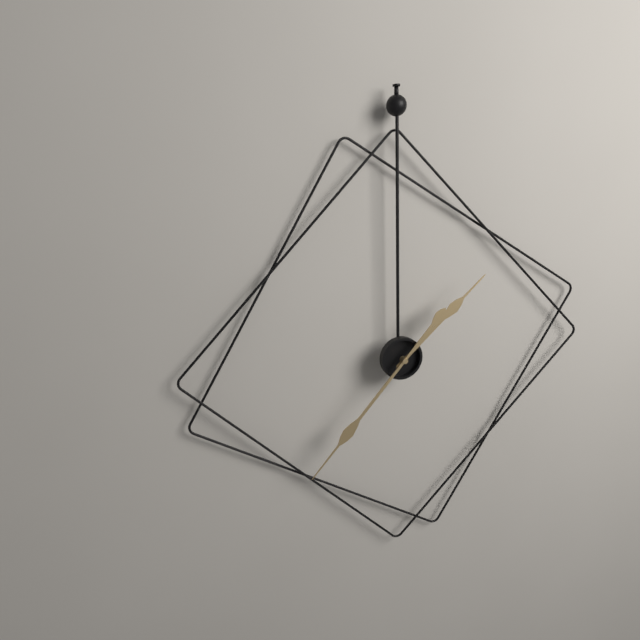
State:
1h37
